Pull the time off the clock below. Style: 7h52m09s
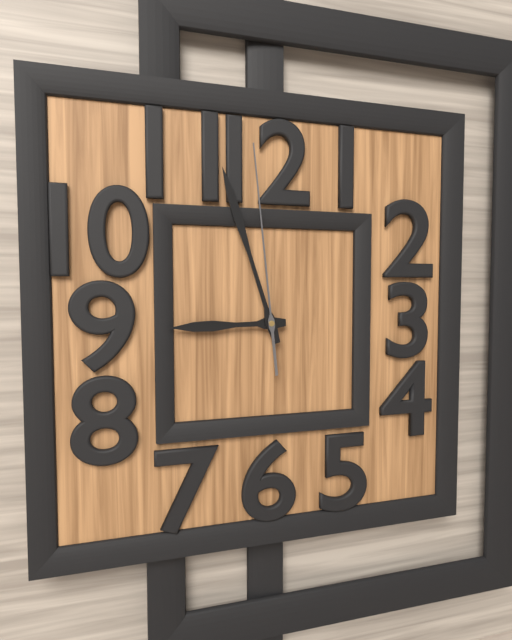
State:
8h57m59s
